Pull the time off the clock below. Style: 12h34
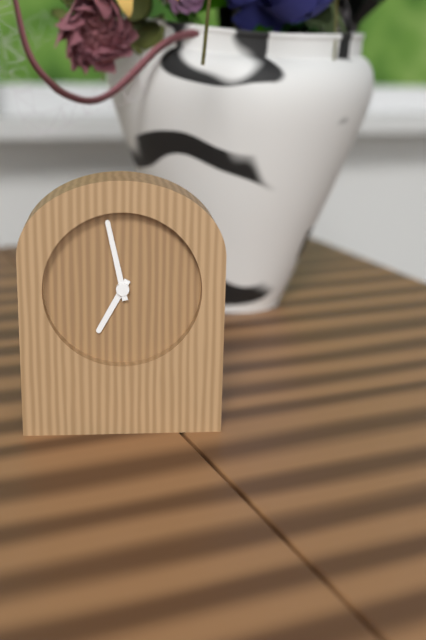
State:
6h58
